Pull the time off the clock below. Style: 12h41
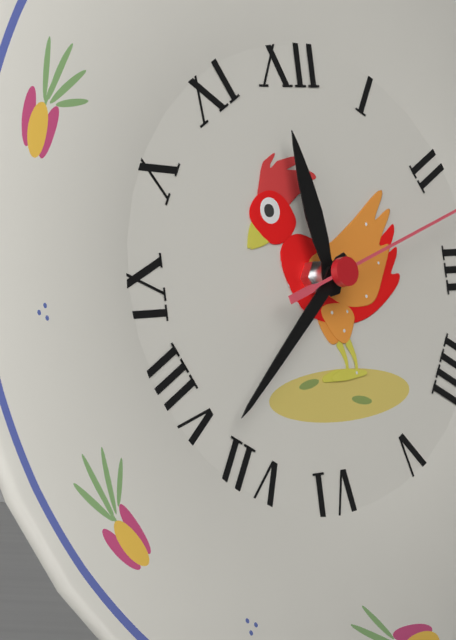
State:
11h38
